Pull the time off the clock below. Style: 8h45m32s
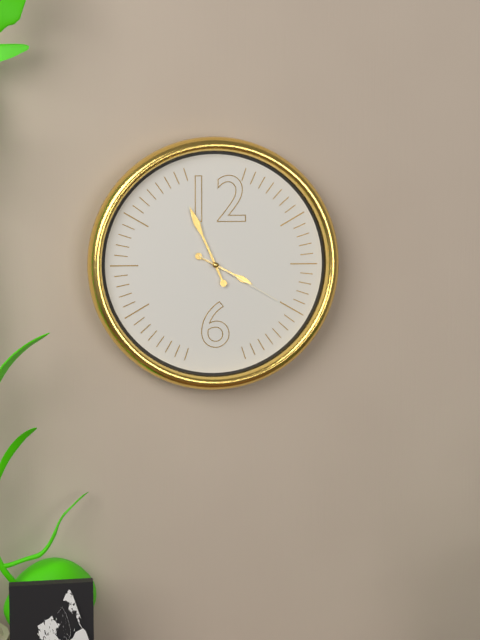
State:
3h56m20s
